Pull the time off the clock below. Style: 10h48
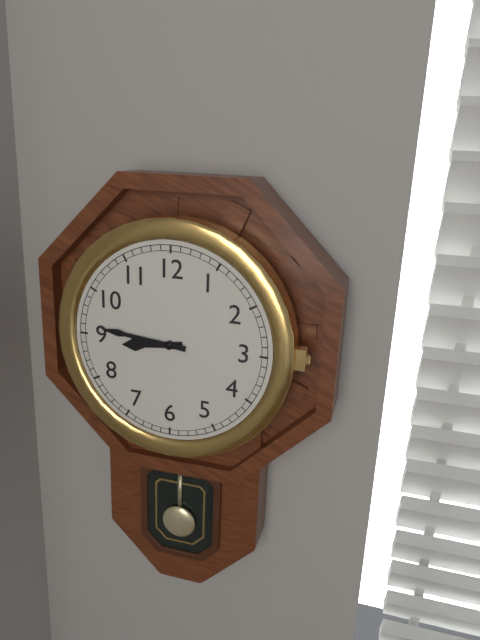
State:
8h46
